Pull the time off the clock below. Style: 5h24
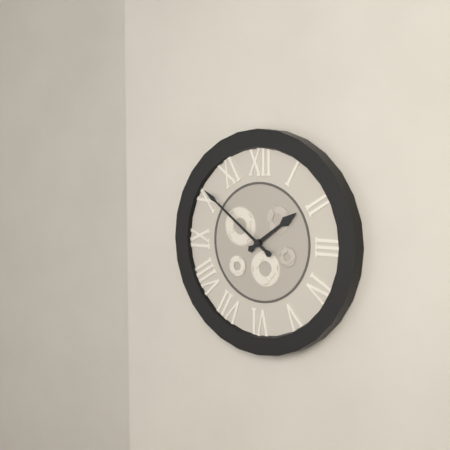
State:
1h51
